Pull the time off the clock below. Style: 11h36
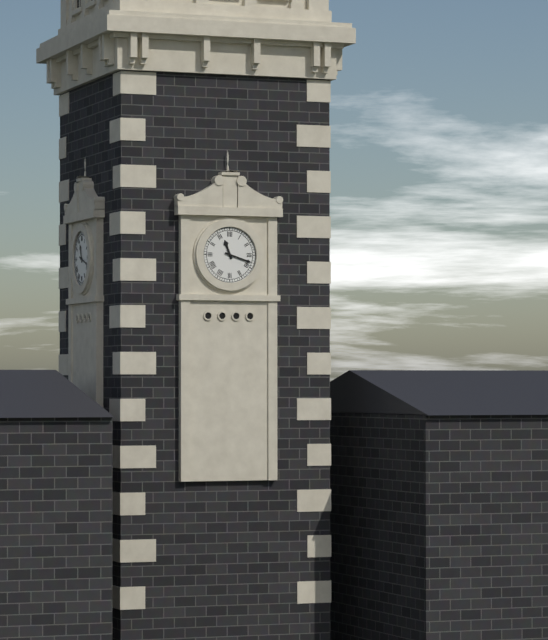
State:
11h18
